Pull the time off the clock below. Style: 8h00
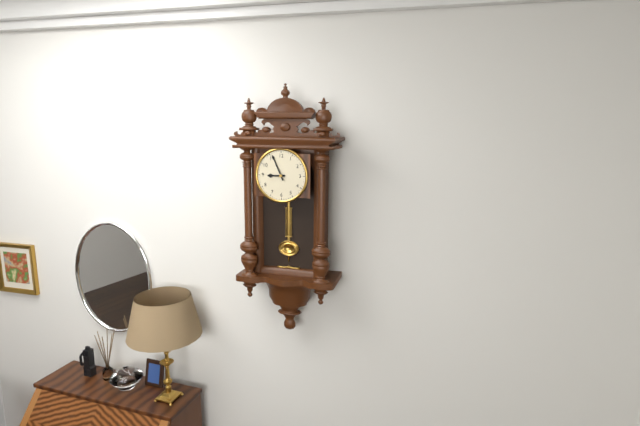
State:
8h56
